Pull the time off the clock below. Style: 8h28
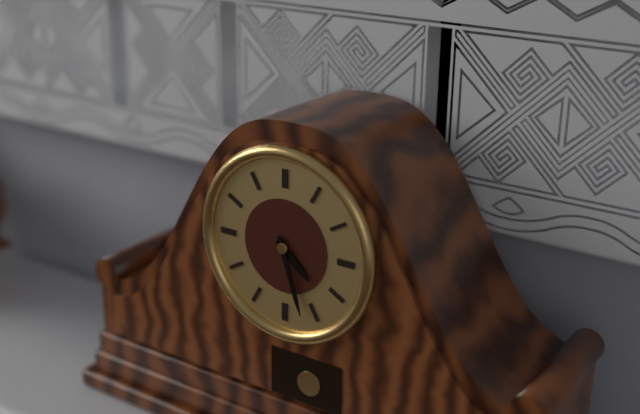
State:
4h27
